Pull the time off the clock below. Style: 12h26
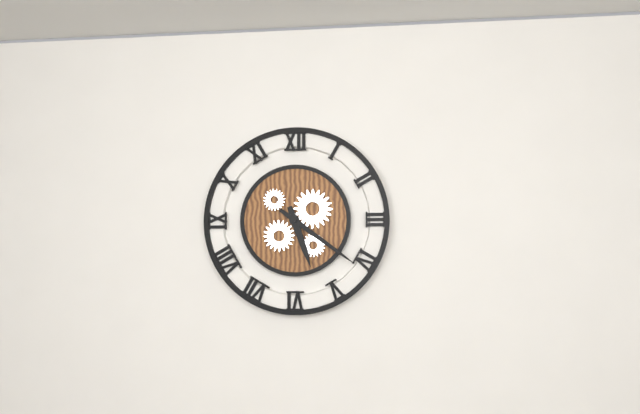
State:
5h21
